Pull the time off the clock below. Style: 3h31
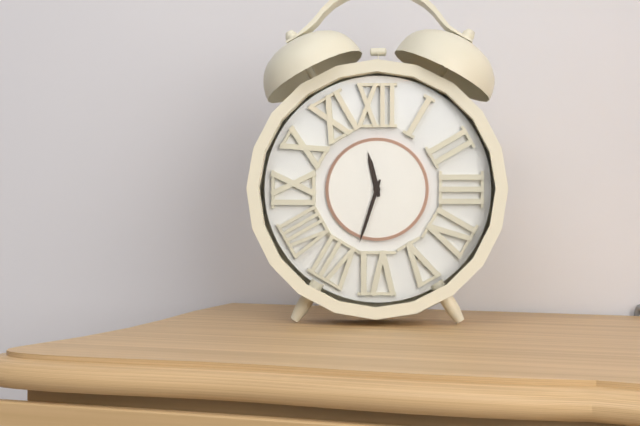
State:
11h33
